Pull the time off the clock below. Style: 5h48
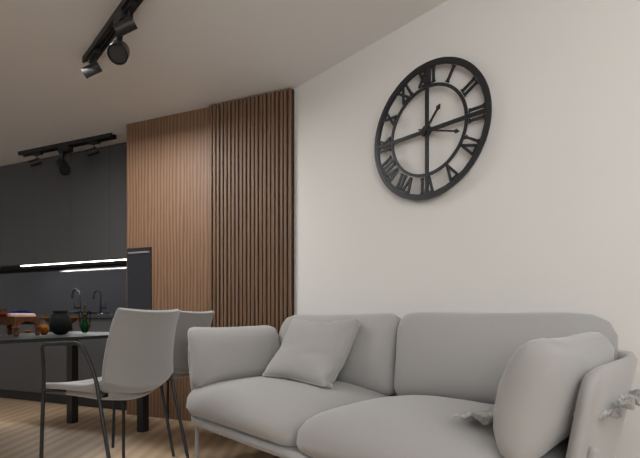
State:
1h18
